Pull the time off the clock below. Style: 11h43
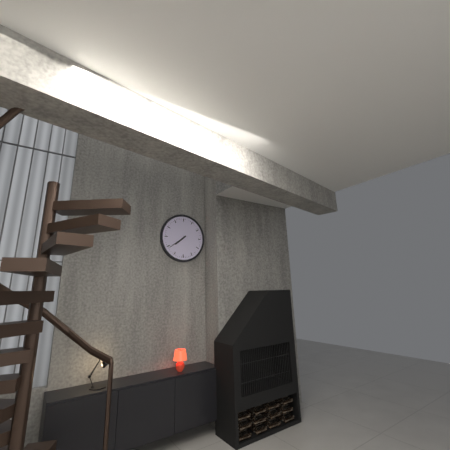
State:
7h39
